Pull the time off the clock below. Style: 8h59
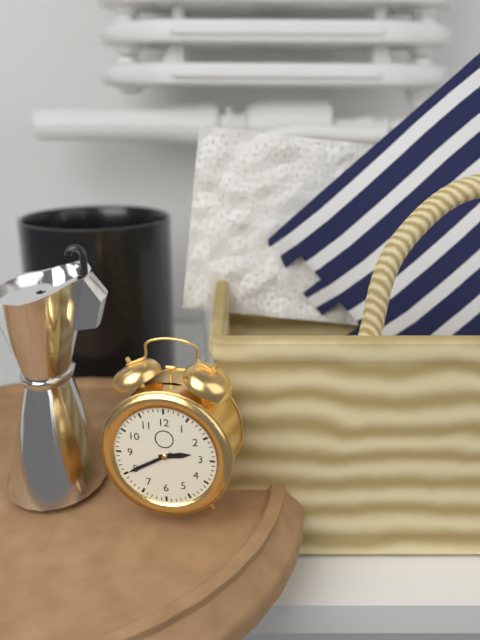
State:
2h40
